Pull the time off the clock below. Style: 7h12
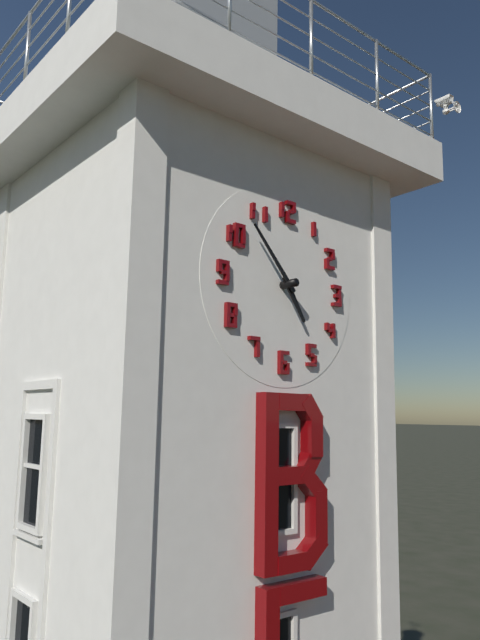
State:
4h53
